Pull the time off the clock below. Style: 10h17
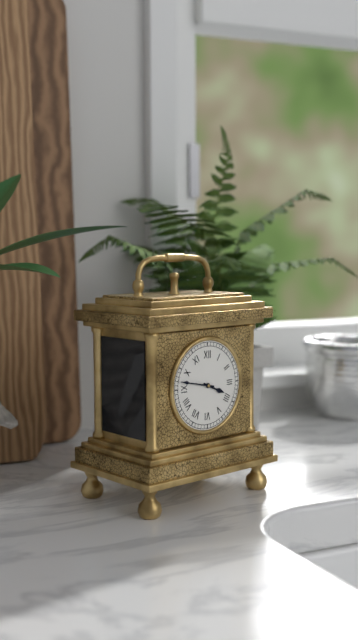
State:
3h47
